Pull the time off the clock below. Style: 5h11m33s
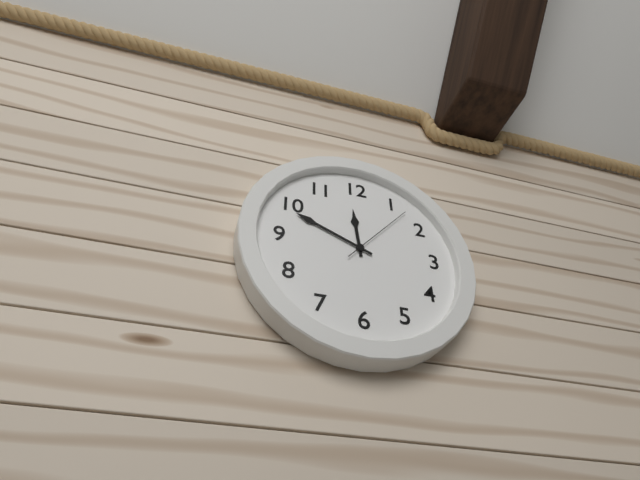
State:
11h49m07s
